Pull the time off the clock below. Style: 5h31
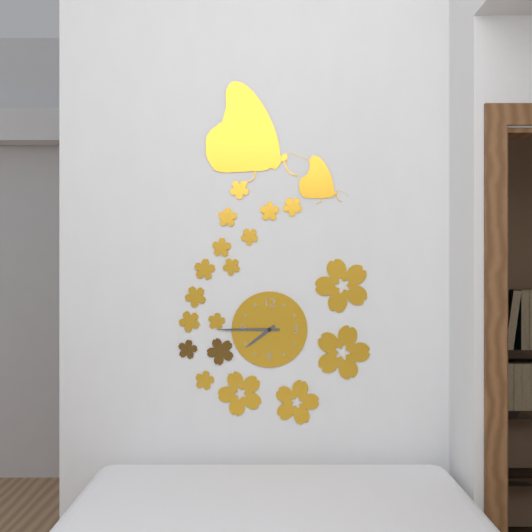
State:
7h45
